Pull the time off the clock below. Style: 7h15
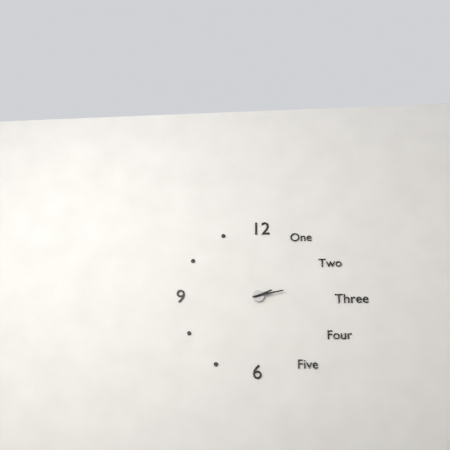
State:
2h13
